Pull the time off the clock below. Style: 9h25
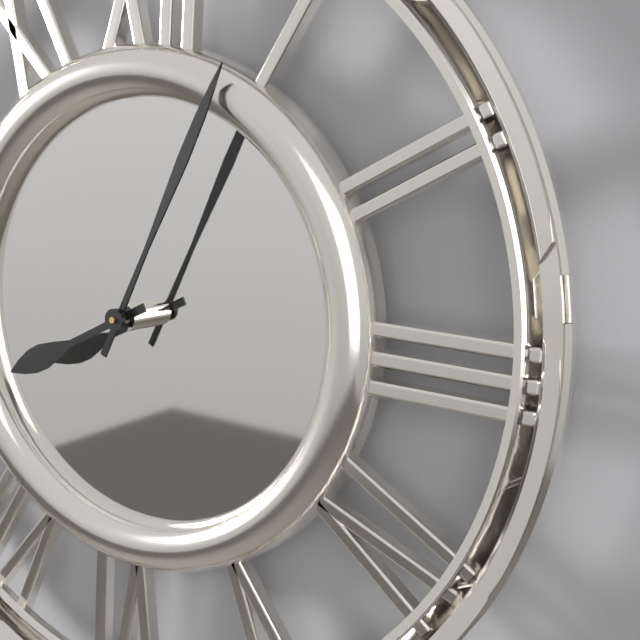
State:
8h04
